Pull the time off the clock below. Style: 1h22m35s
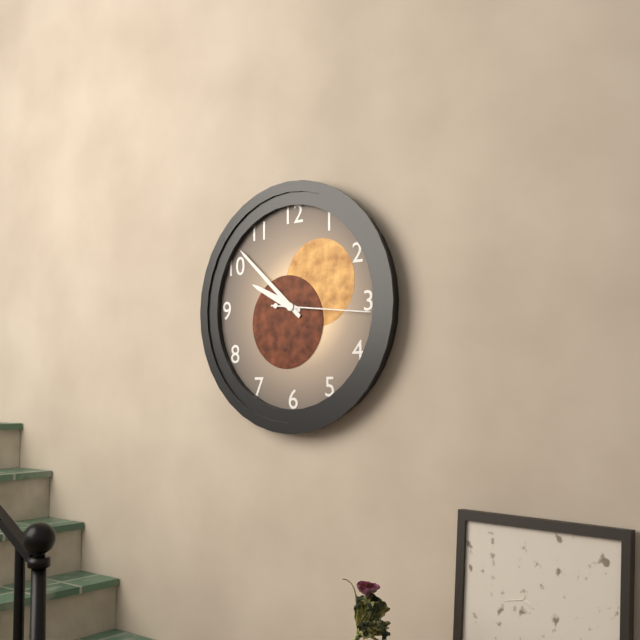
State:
9h52m16s
